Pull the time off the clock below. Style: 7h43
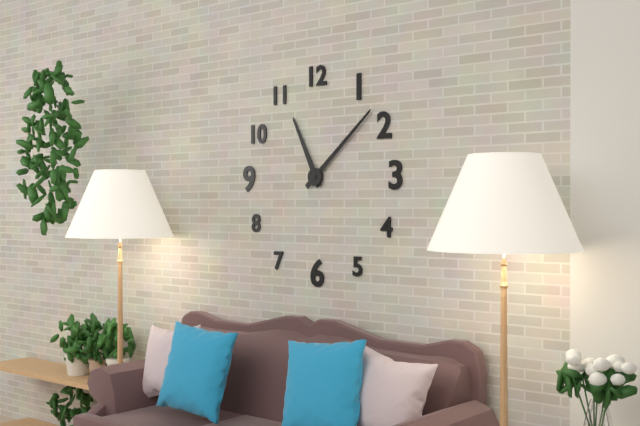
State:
11h08
